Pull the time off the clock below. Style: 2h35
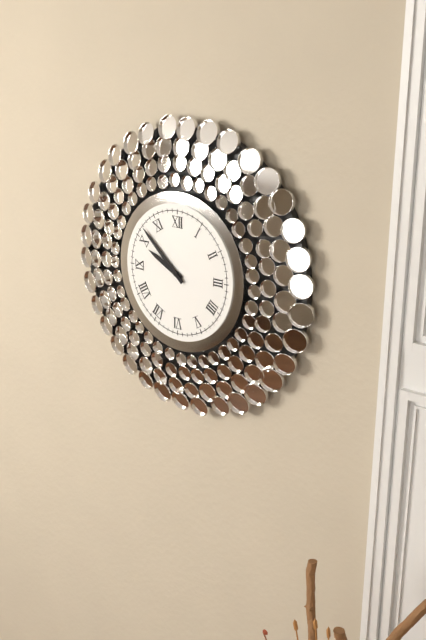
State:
9h52
